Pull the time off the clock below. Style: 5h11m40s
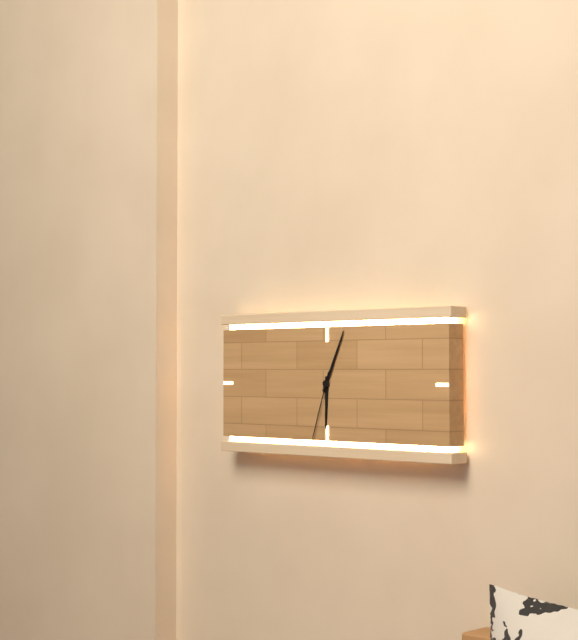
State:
6h04m33s
